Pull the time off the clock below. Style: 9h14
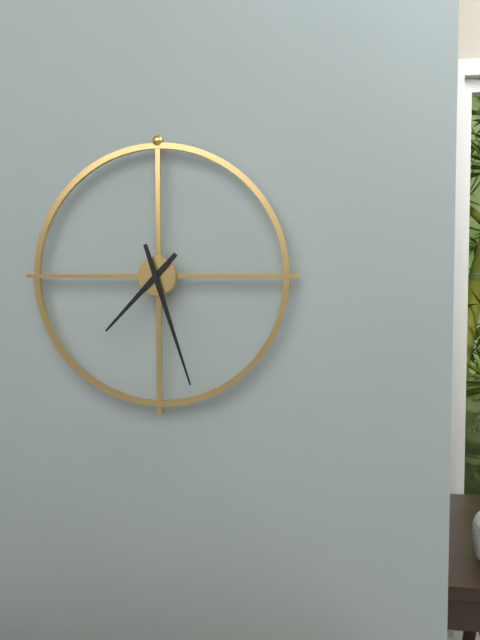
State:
7h27
